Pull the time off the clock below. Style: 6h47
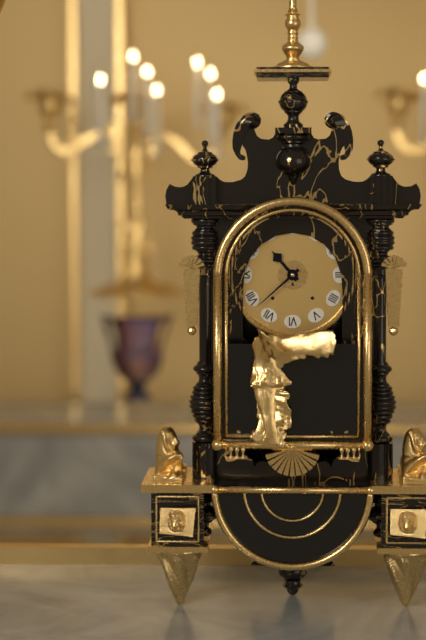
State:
10h38
